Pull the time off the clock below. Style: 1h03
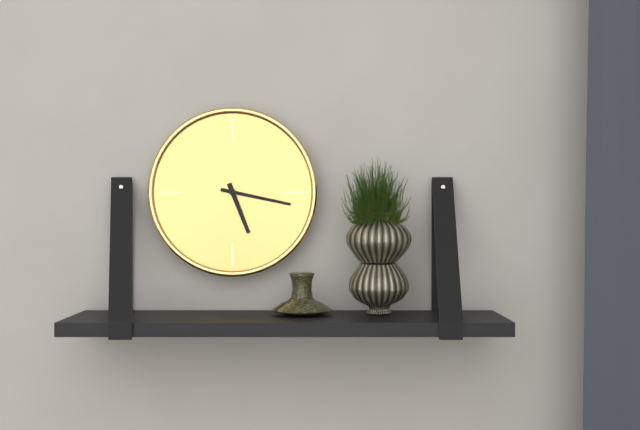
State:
5h17
